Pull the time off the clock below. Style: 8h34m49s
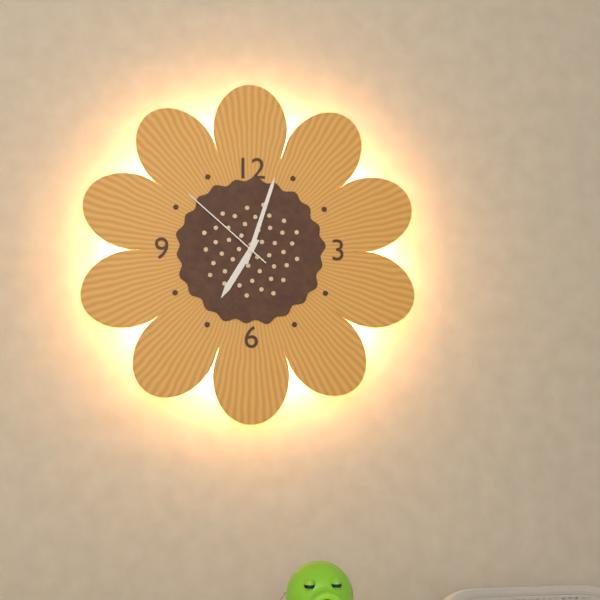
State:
7h03m52s
